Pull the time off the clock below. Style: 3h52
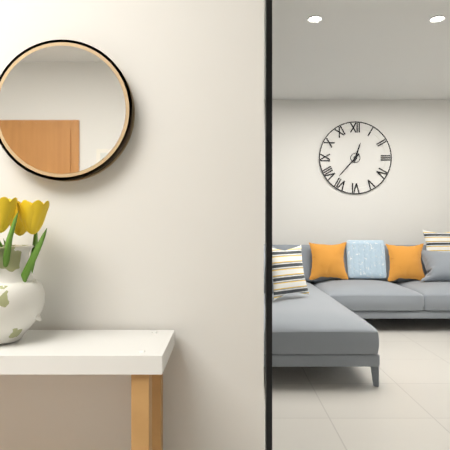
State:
12h37
